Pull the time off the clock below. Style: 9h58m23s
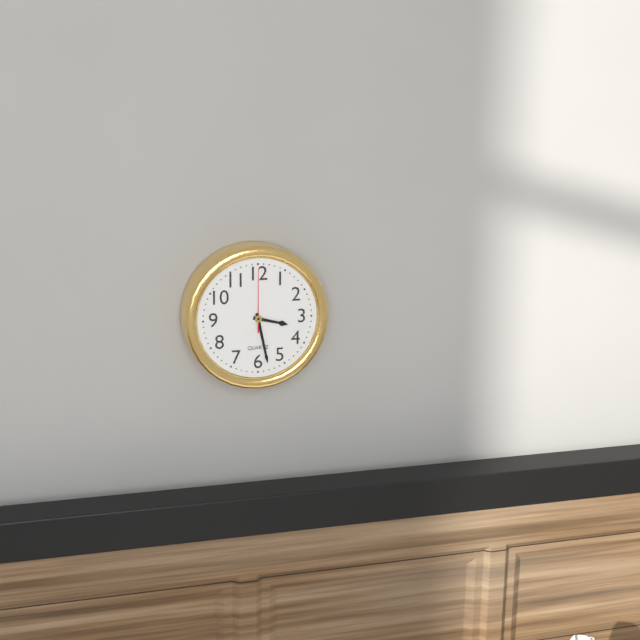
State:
3h28m00s
